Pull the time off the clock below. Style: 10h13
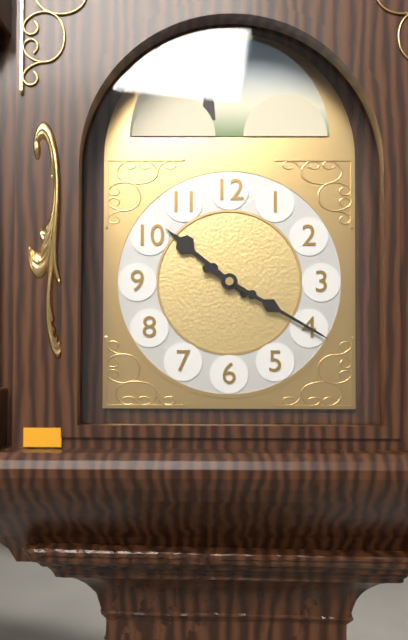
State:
10h20
